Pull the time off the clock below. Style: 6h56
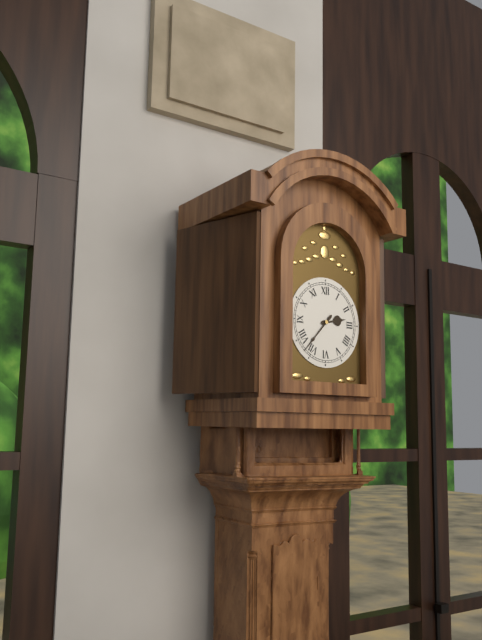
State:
2h37
